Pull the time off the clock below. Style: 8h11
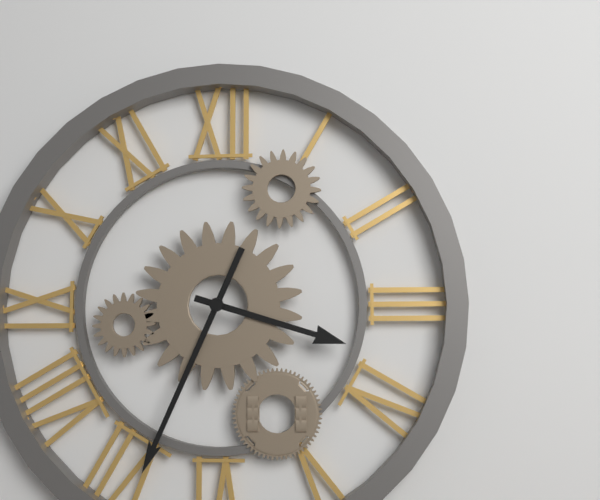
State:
3h34
